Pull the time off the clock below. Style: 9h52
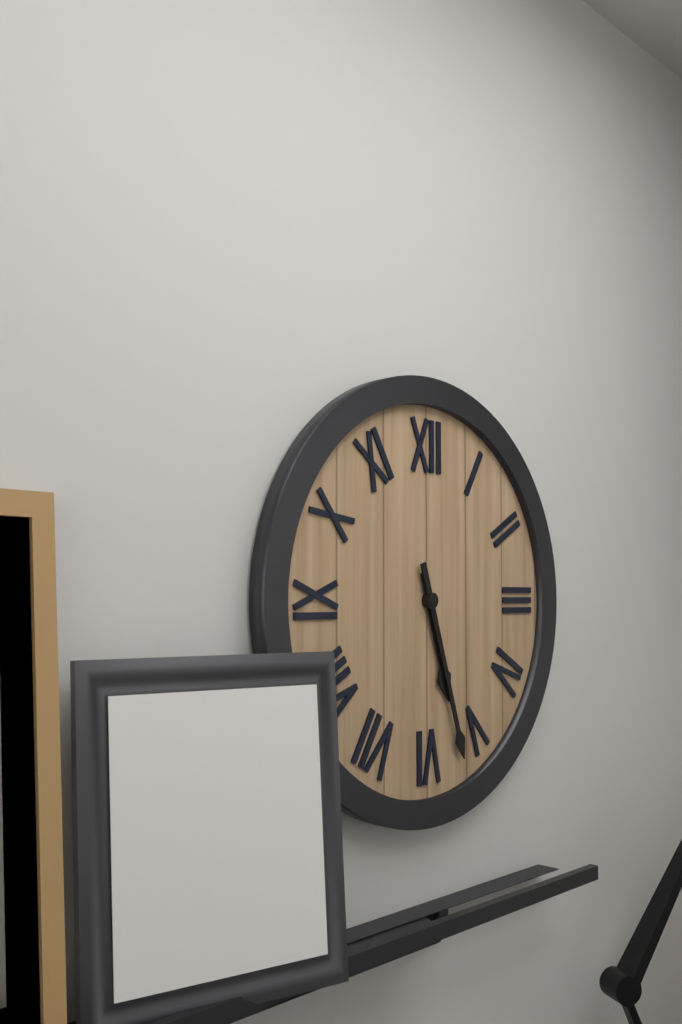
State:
5h27
